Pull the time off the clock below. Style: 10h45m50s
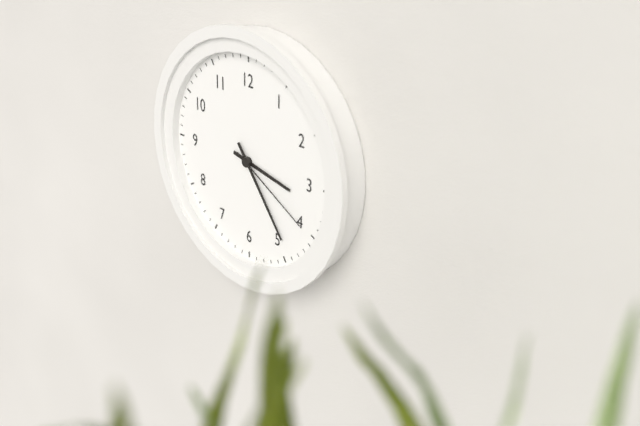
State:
3h24m20s
